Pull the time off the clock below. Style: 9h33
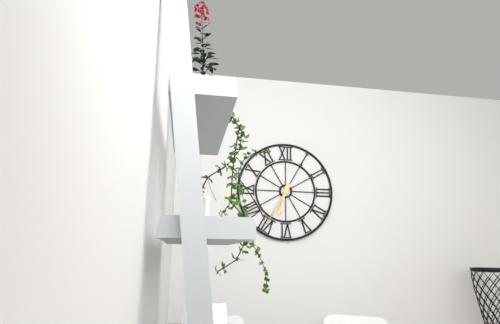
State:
6h35
